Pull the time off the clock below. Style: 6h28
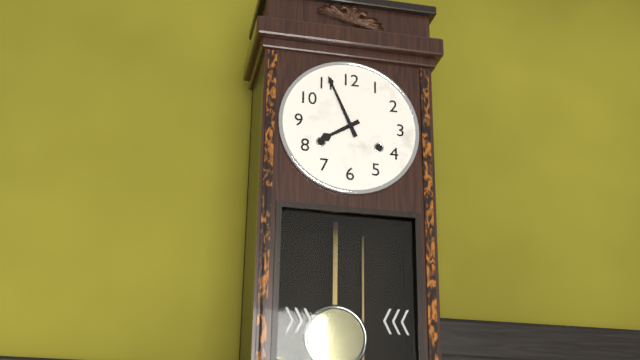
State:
7h56
